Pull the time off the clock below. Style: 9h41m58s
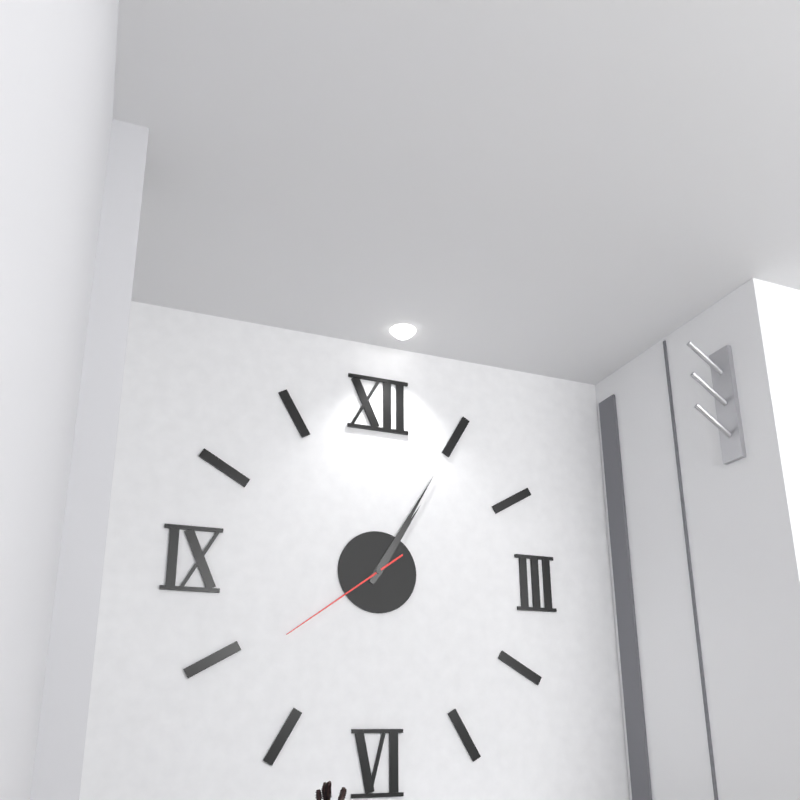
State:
1h05m39s
